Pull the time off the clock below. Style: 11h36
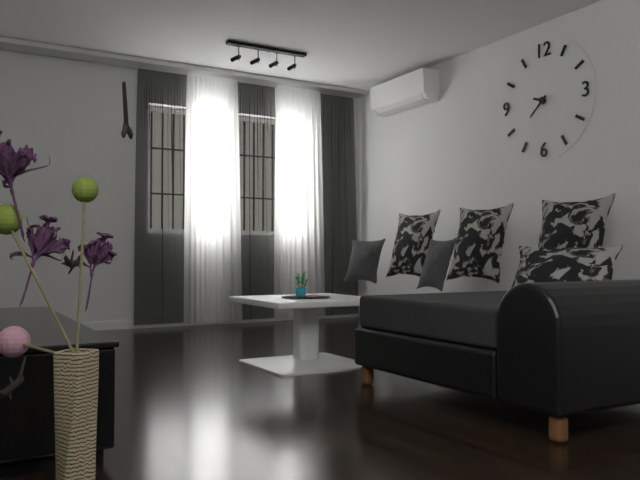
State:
9h38
